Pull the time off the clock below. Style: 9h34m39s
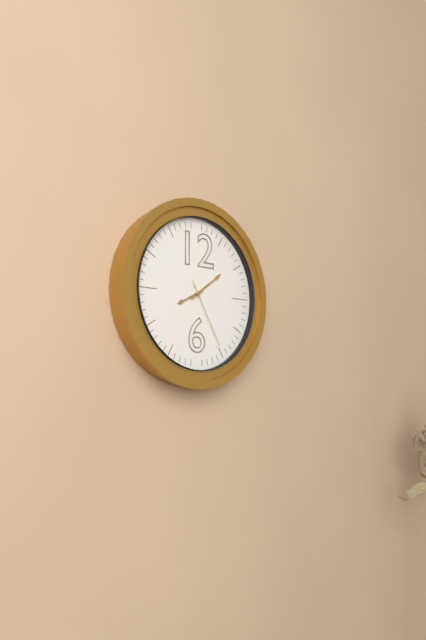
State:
8h09m25s
